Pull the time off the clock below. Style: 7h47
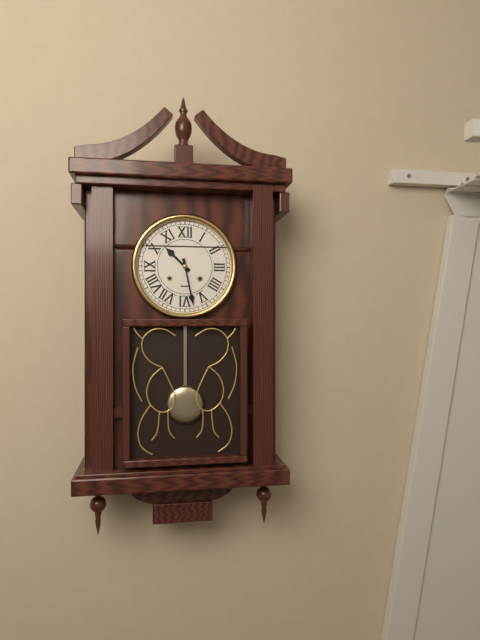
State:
10h28
